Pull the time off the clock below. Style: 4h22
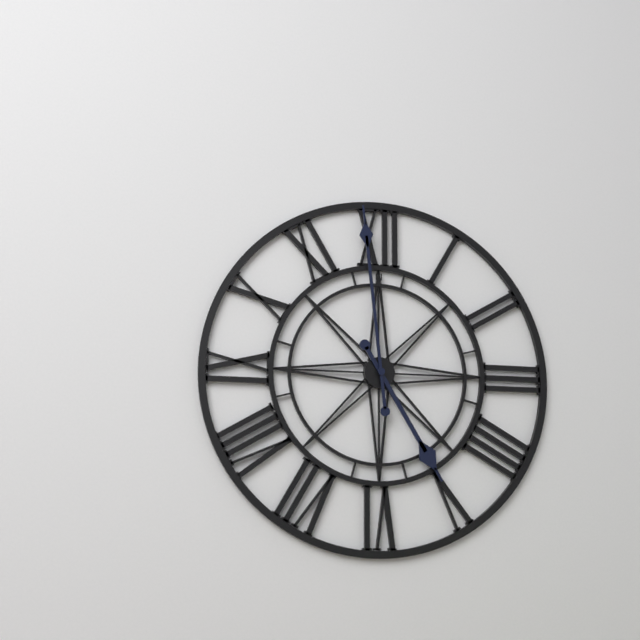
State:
4h59
